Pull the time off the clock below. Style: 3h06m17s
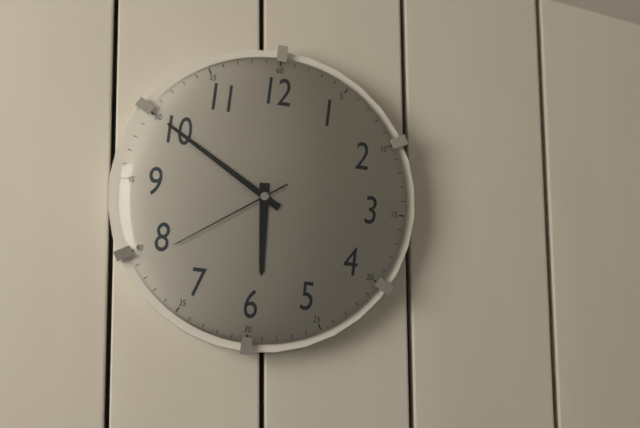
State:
5h50m39s
